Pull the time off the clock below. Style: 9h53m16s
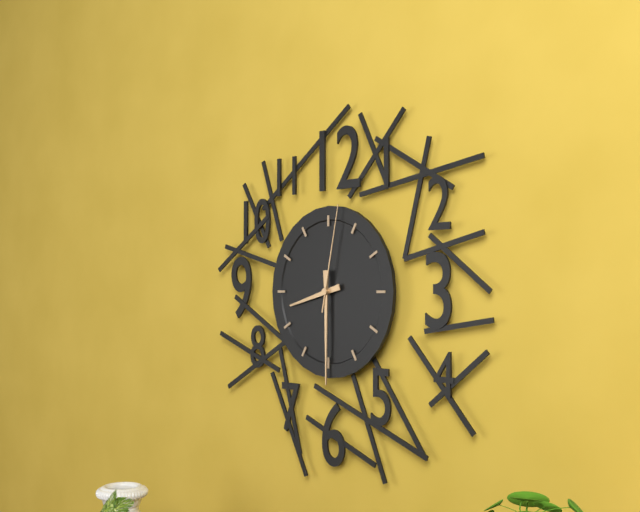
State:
8h30m02s
